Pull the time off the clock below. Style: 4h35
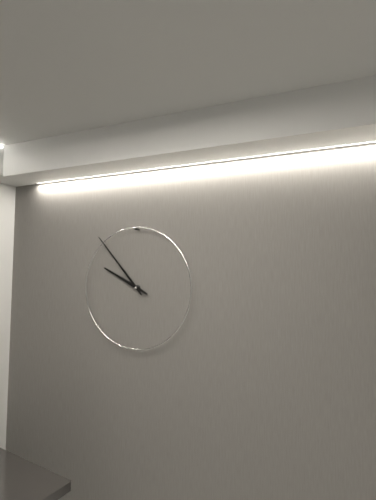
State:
9h53
